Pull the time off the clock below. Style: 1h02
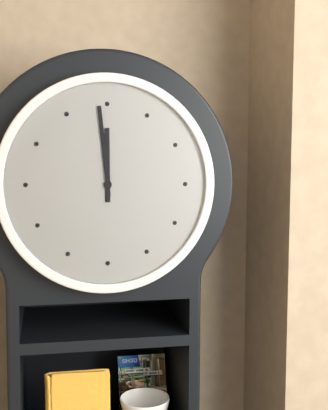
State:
11h59
